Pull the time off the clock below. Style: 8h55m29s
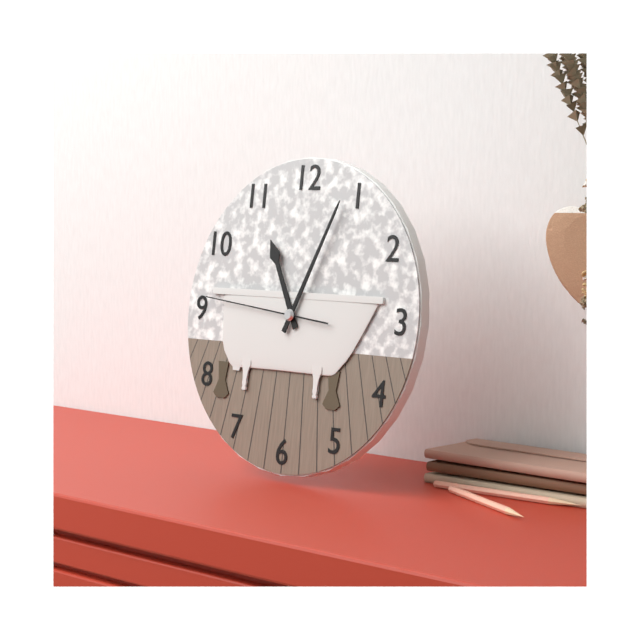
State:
11h04m46s
